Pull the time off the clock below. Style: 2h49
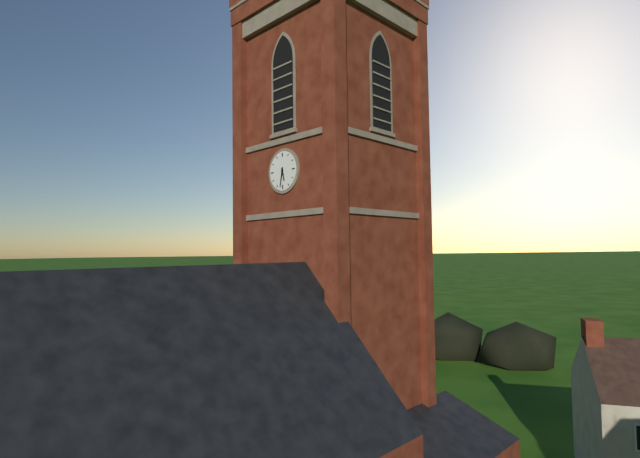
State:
5h32
